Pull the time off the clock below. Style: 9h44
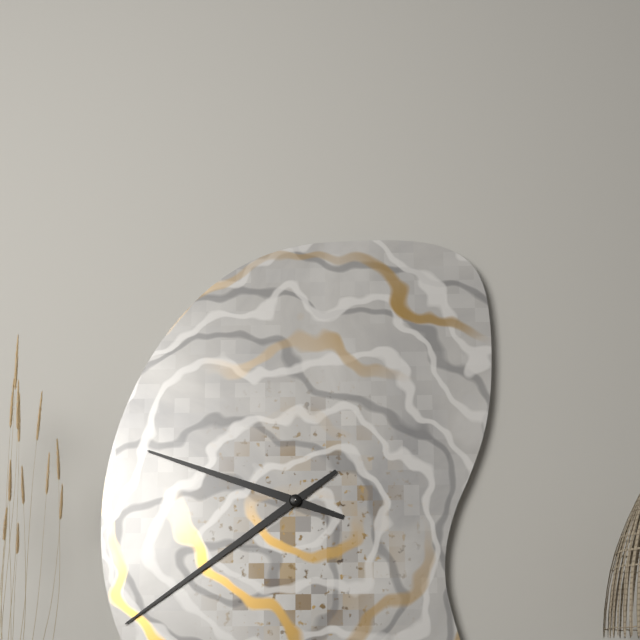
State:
9h39
